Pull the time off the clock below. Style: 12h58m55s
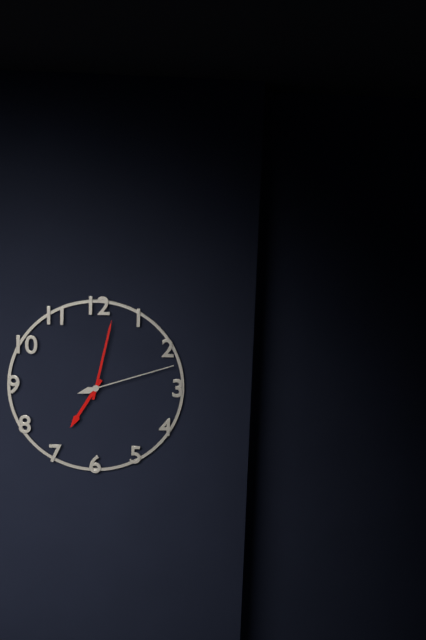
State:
7h02m12s
